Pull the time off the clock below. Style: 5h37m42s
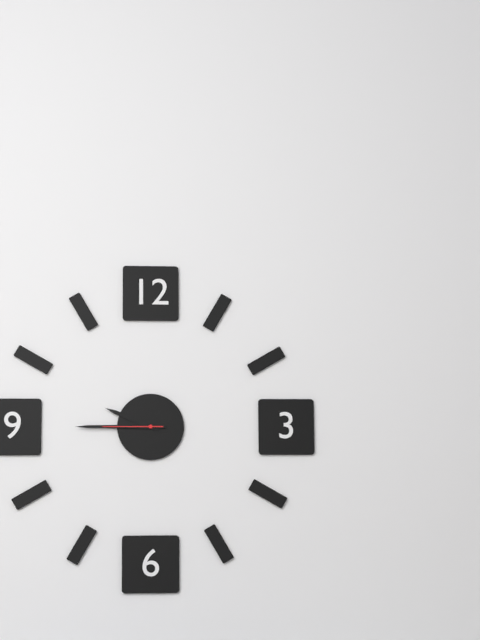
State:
9h45m45s
